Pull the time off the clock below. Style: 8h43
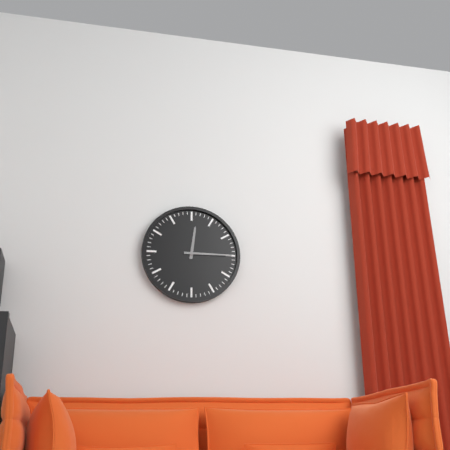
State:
12h15
